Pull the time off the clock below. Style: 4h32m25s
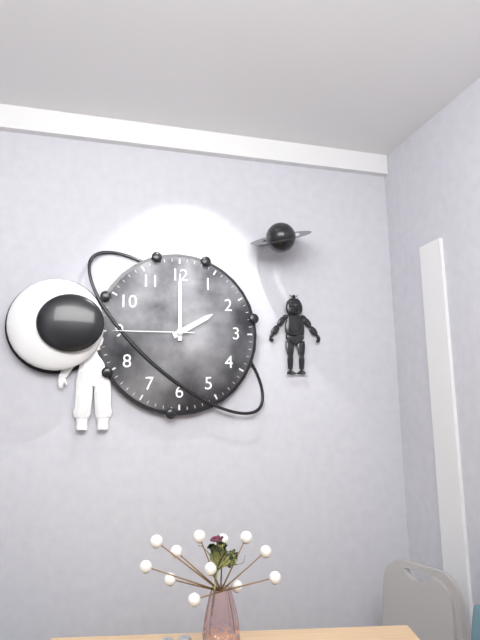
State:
2h00m45s
